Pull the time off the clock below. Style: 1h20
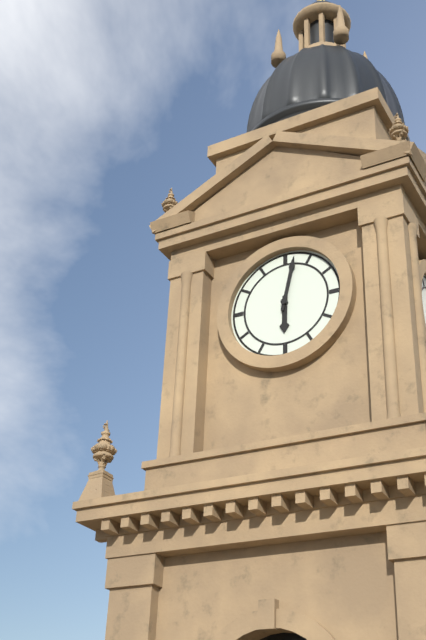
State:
6h02
